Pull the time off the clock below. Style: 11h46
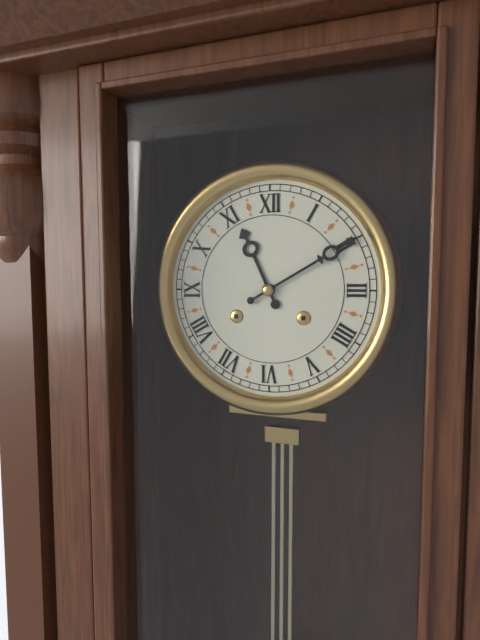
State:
11h10
